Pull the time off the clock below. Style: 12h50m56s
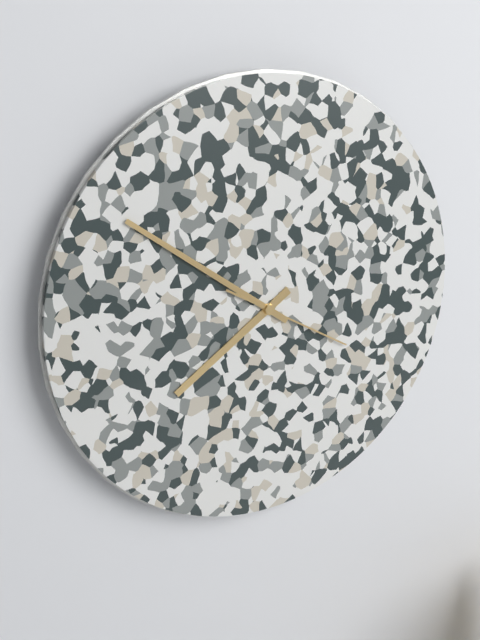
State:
7h51m20s
